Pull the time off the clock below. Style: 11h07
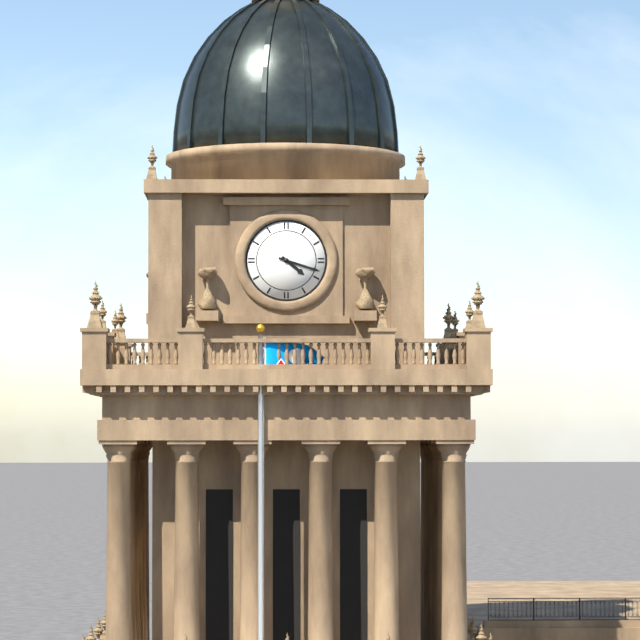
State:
4h18
